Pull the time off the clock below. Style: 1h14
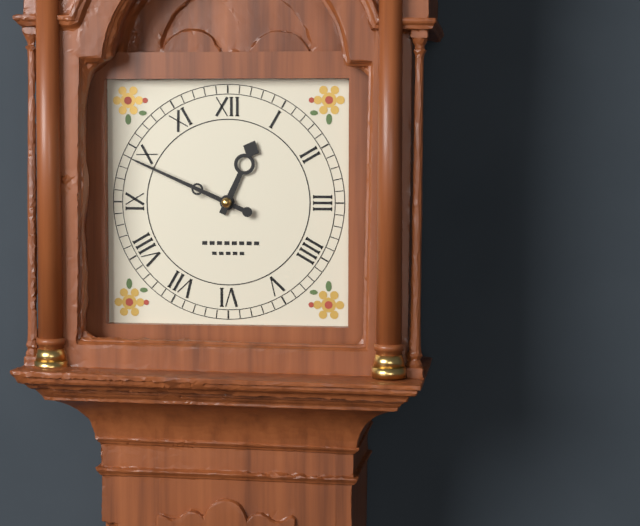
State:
12h49
